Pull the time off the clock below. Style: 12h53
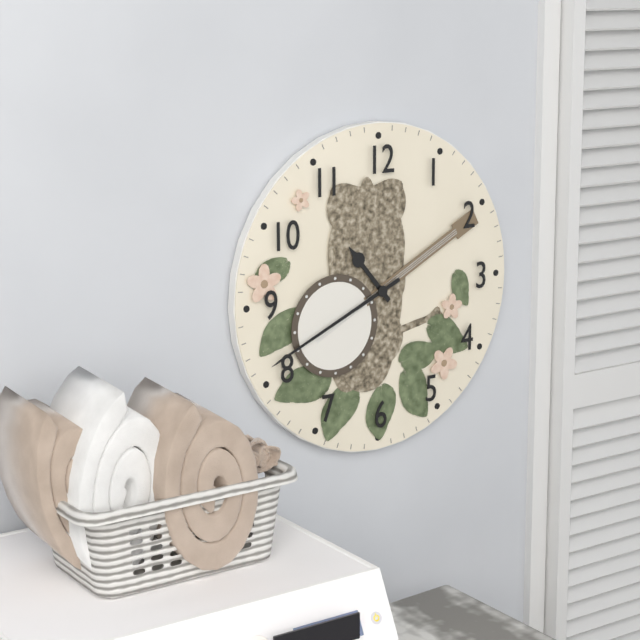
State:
10h41
